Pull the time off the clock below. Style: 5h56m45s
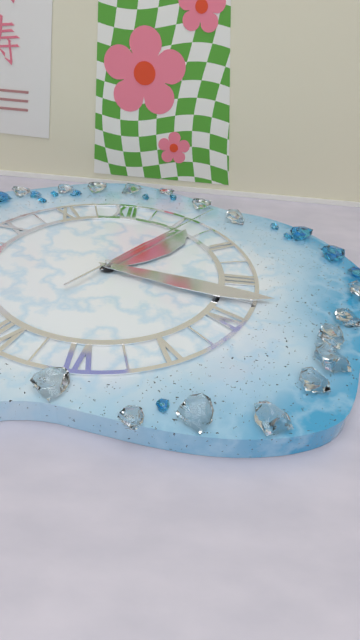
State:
1h17m06s
